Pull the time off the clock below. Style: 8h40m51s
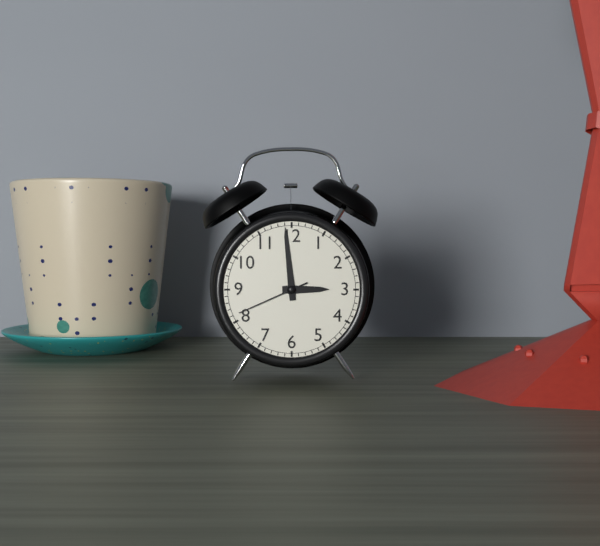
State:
2h59m41s
